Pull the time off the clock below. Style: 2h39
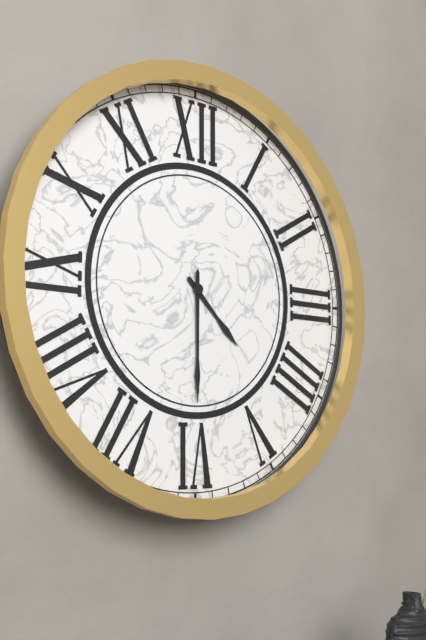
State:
4h30
